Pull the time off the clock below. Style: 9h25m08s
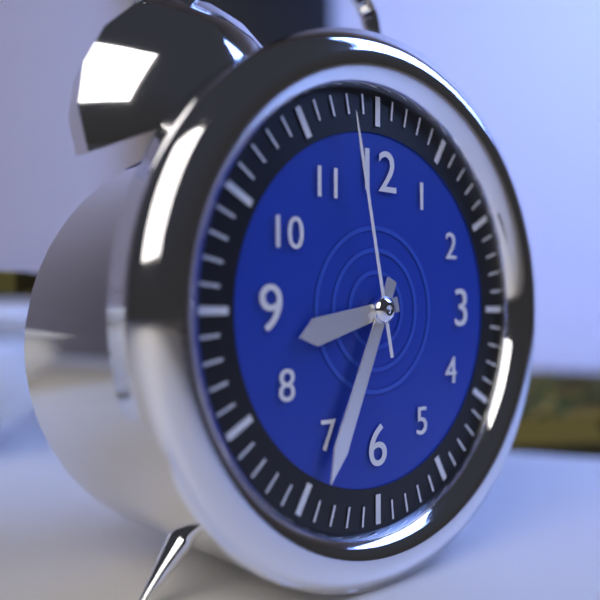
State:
8h34m58s
